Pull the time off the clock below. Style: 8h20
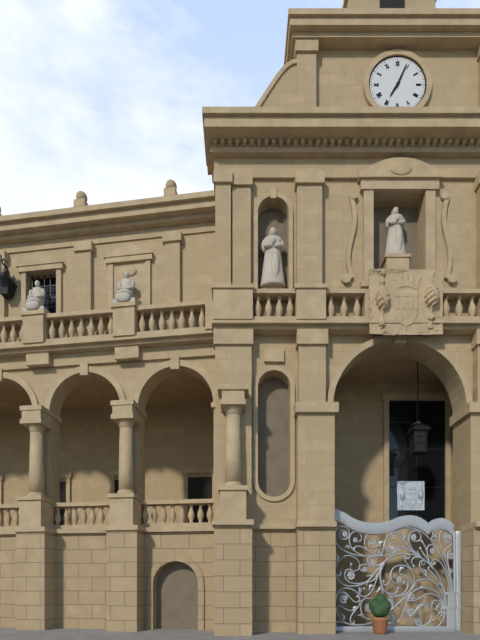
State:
7h04
